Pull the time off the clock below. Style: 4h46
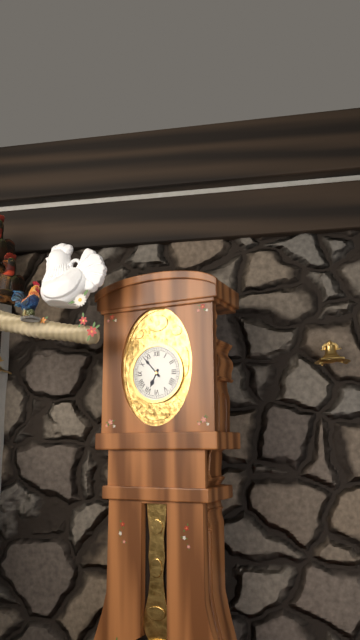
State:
6h53
